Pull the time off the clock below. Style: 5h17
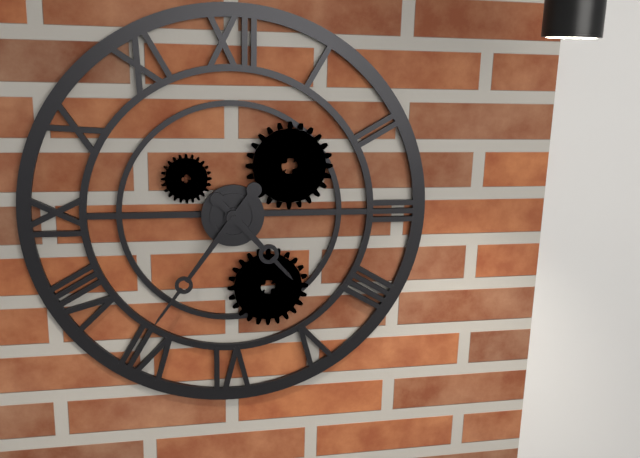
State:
4h36
